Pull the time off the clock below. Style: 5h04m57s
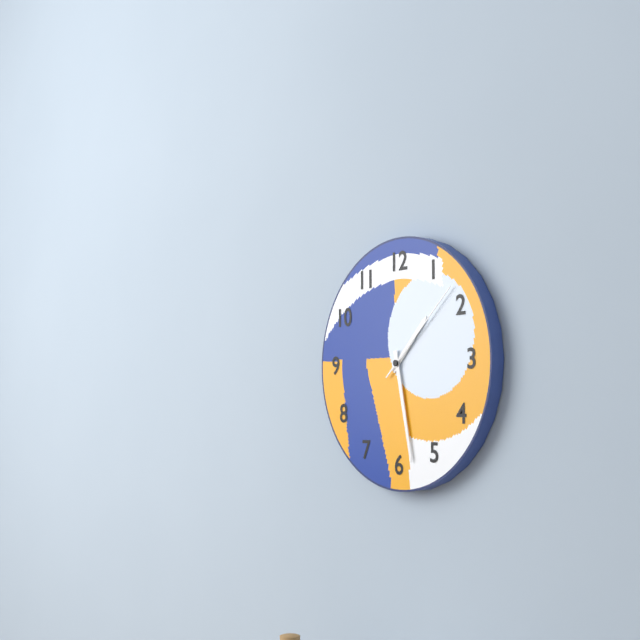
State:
1h28m08s
